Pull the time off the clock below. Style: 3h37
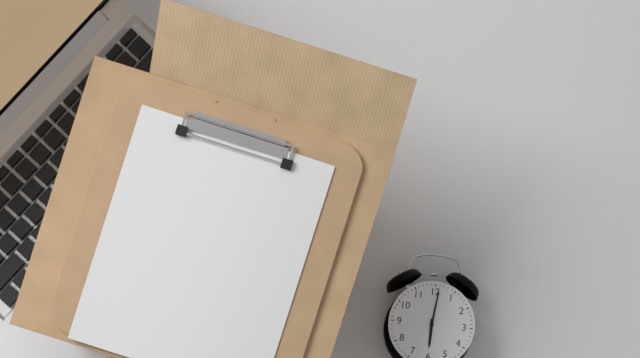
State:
6h01
